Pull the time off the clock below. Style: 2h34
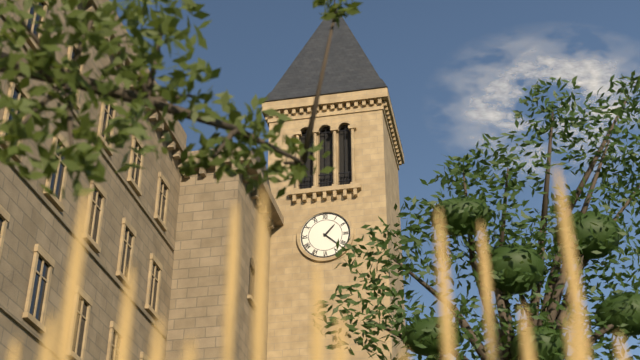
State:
1h22
